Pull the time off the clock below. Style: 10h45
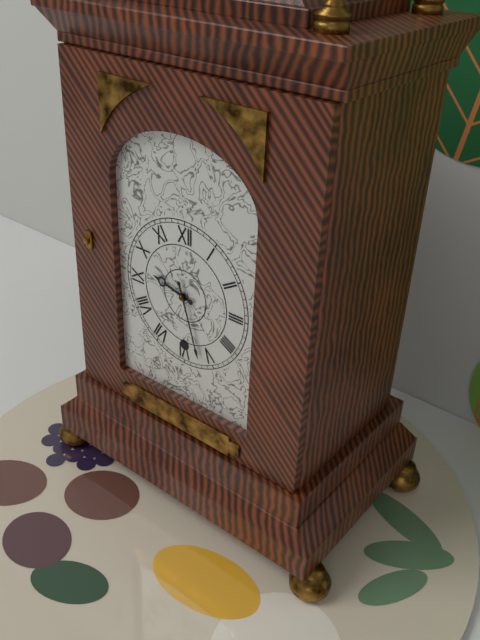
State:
9h27
